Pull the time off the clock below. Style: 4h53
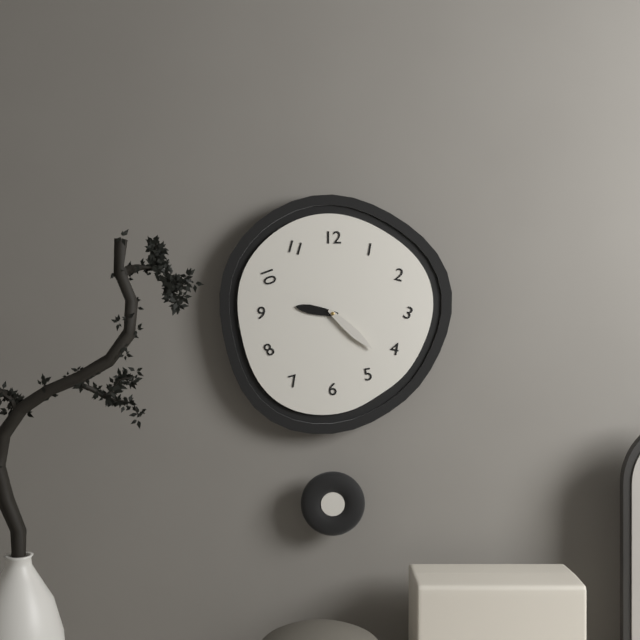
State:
9h22
